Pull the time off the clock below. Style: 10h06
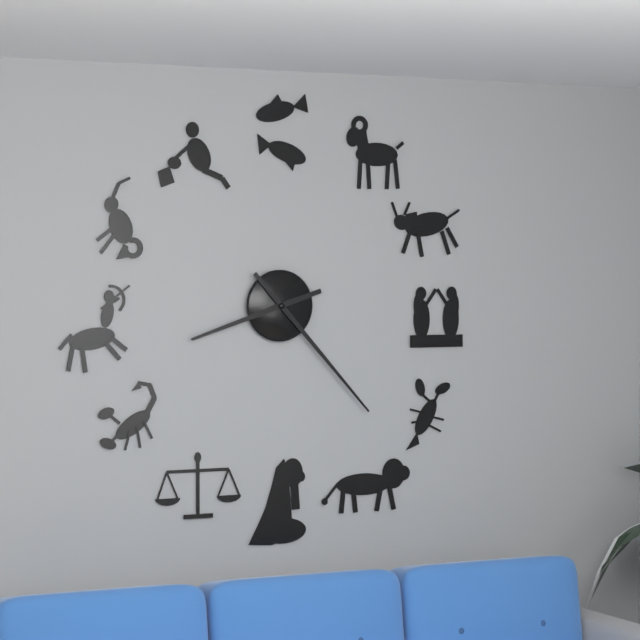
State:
8h23
